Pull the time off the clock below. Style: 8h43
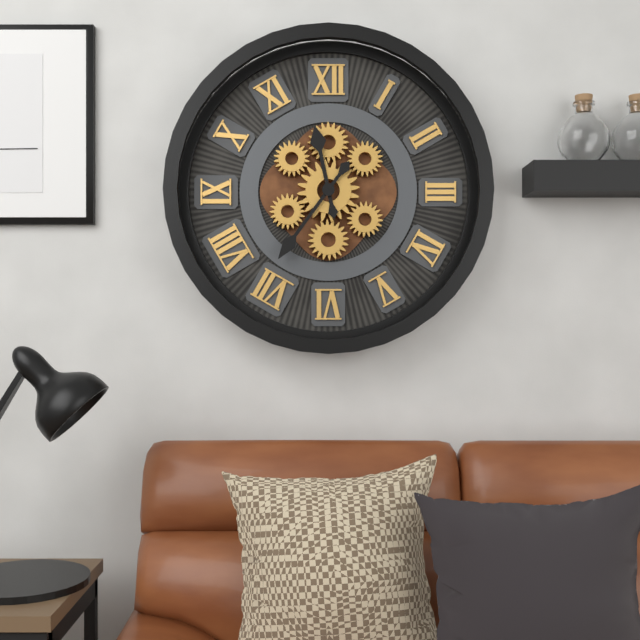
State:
11h36
